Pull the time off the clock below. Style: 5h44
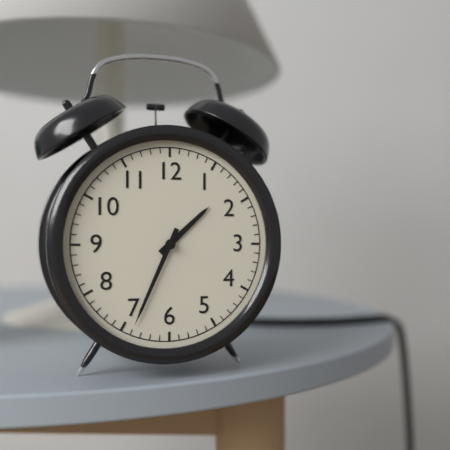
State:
1h34
